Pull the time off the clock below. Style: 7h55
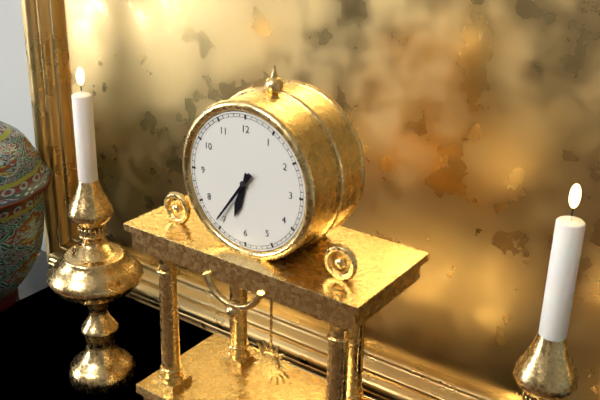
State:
6h36
